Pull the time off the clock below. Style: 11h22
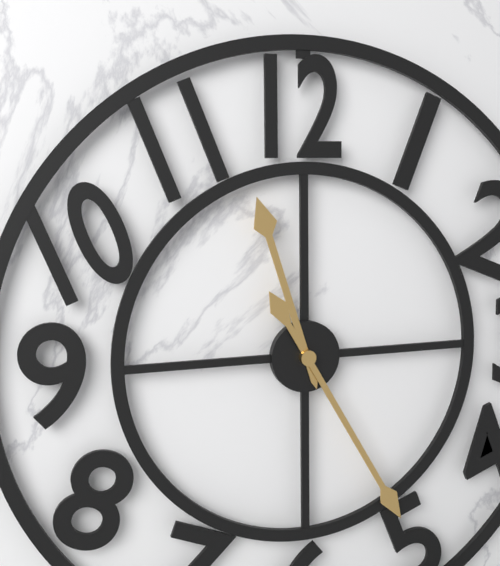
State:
11h25
